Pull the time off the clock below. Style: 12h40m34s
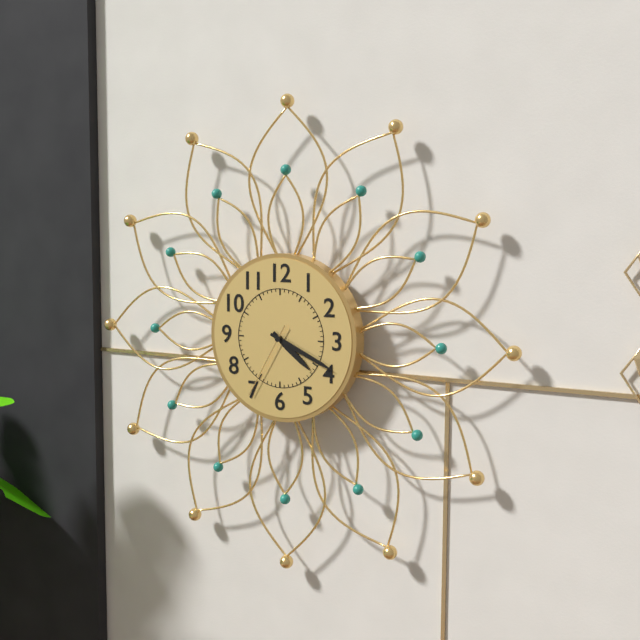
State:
4h19m35s
